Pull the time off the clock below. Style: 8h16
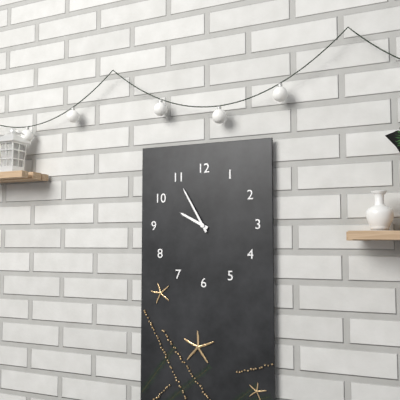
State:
9h55
